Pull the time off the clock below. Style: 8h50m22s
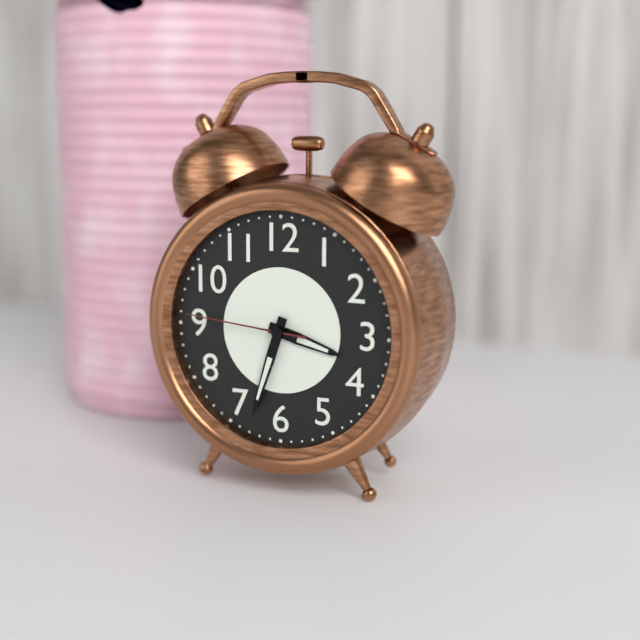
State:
3h33m46s
